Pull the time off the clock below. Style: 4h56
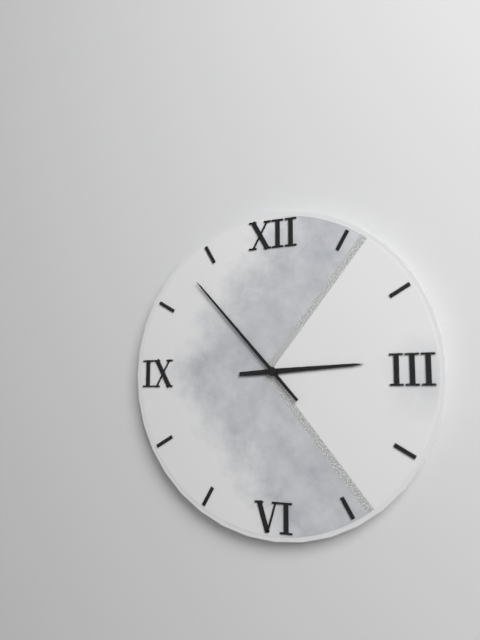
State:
2h53
